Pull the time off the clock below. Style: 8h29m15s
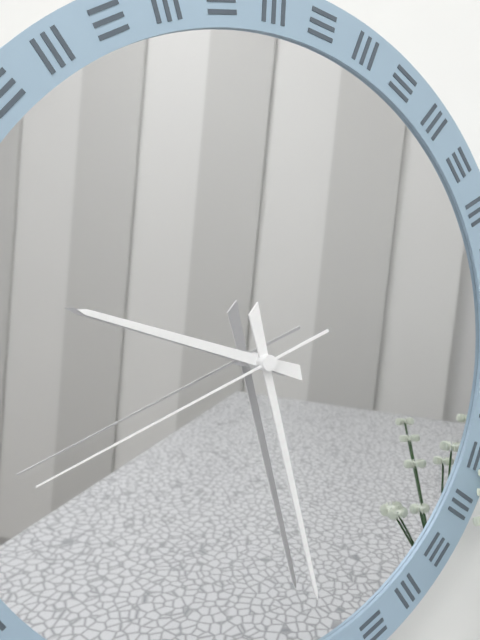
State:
9h27m41s
